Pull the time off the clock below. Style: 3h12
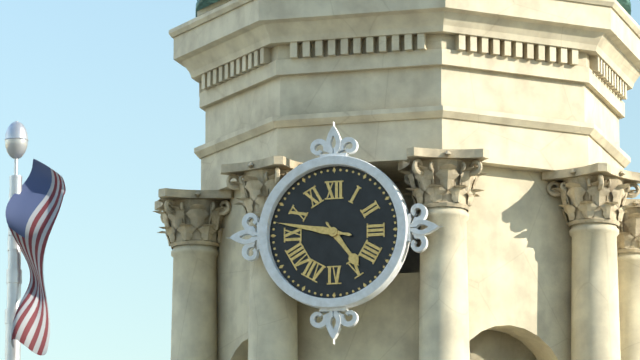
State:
4h47
